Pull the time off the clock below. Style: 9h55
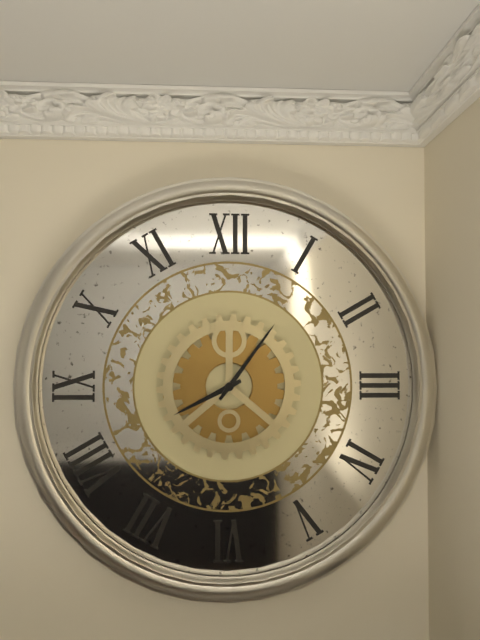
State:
8h06
